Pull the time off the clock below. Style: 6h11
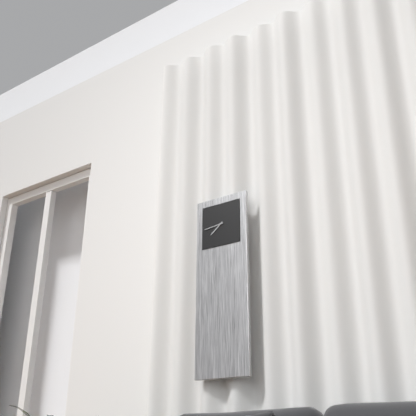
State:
7h44
